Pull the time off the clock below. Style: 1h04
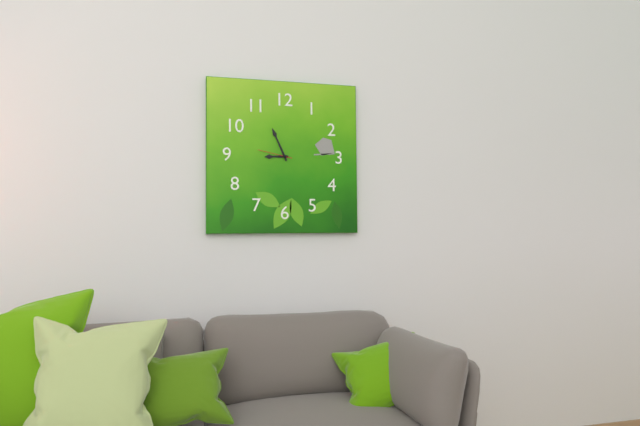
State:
8h56
